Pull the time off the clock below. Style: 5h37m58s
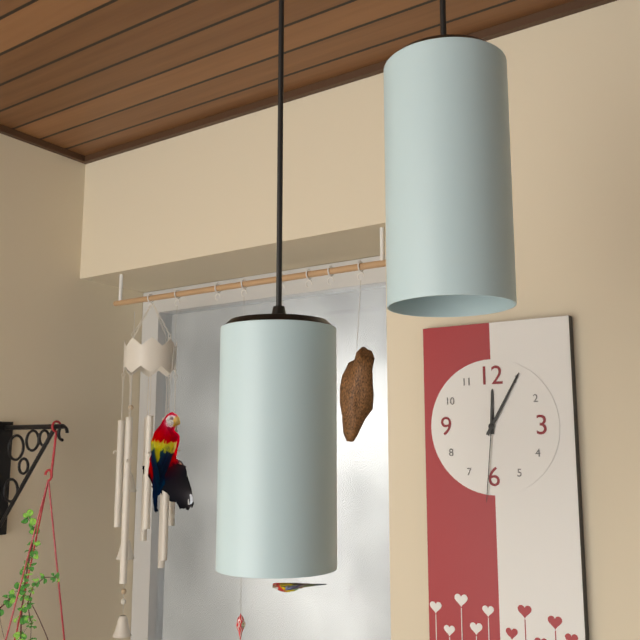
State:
12h05m31s
